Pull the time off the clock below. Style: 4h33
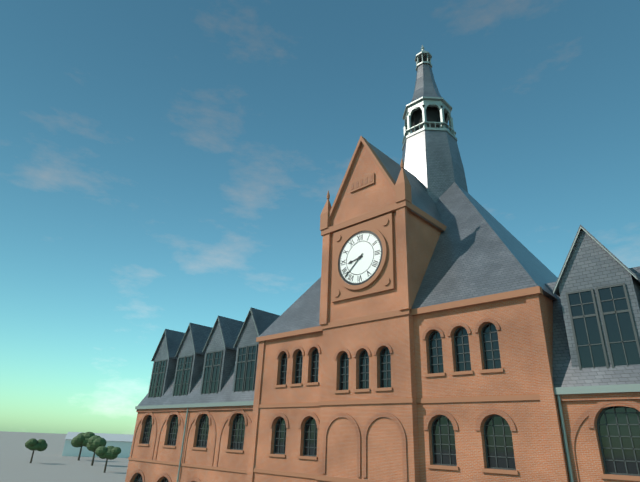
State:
8h38
